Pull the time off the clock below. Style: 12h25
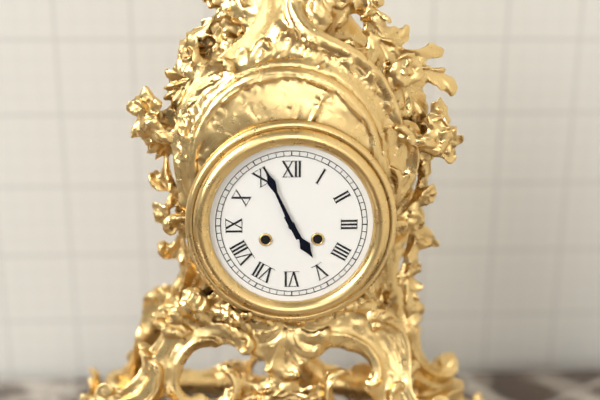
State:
4h56
